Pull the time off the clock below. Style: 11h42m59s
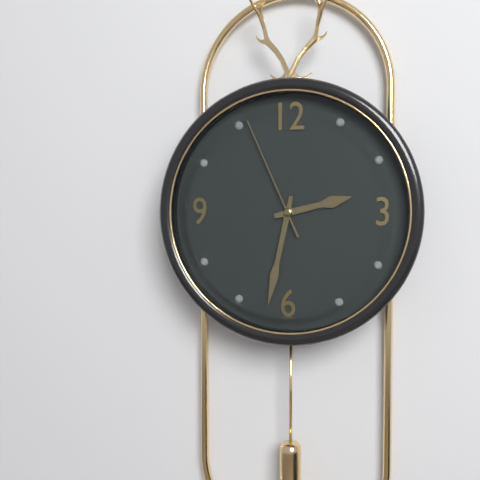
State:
2h32m56s
